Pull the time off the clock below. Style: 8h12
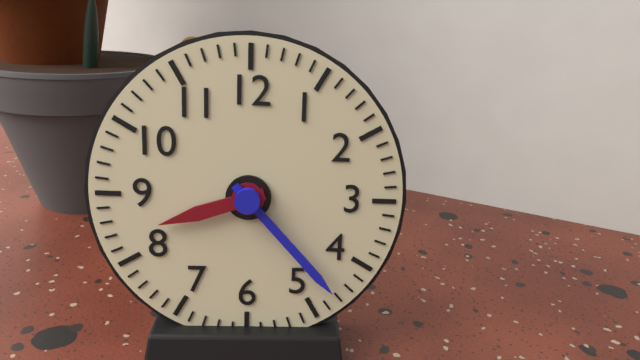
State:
8h23
